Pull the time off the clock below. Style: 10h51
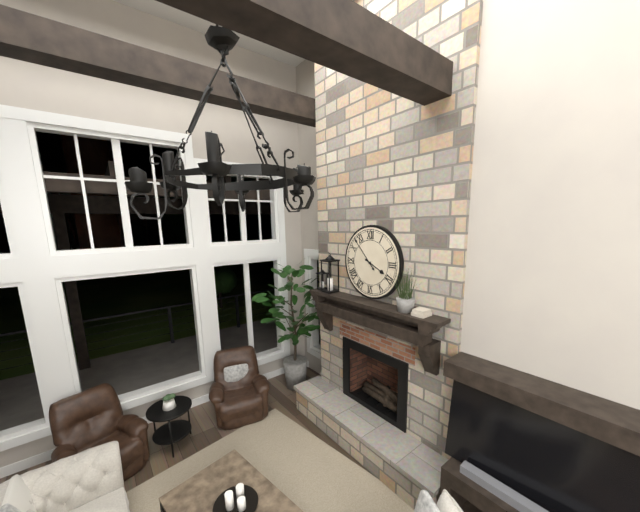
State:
3h53
